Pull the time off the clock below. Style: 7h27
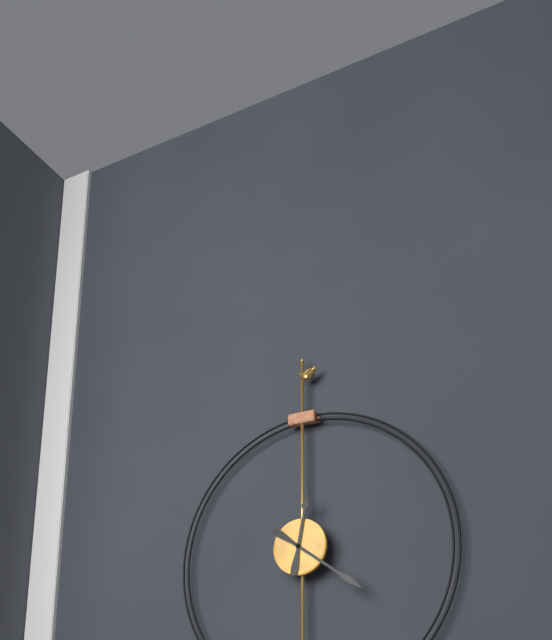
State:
12h21
